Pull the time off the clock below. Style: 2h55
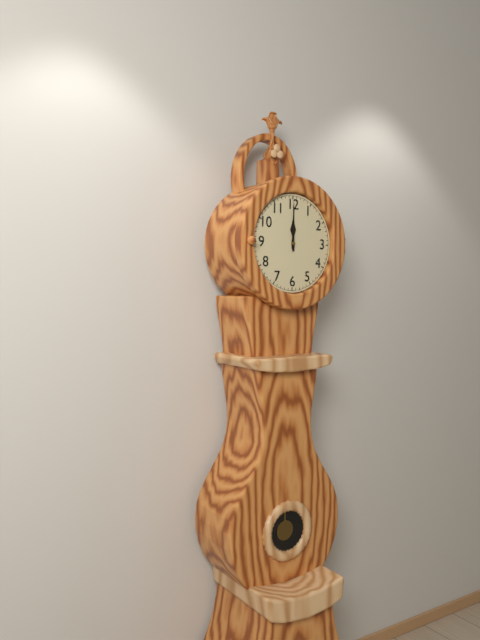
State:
12h00
